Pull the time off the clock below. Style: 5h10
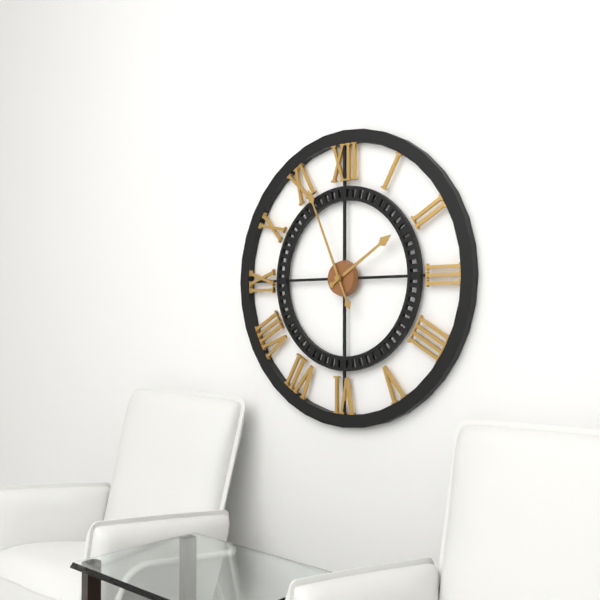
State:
1h56
